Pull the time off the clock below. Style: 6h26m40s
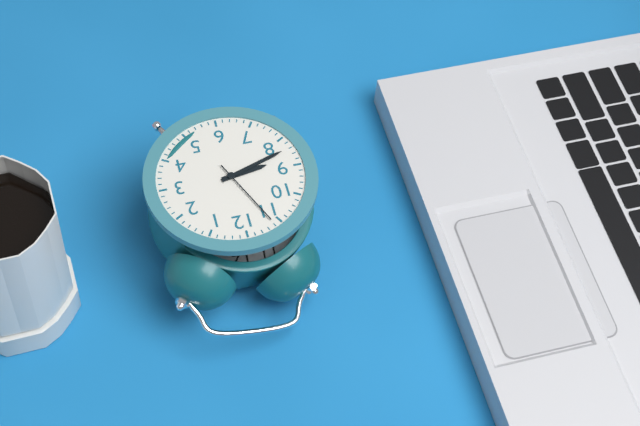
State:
8h42m56s
